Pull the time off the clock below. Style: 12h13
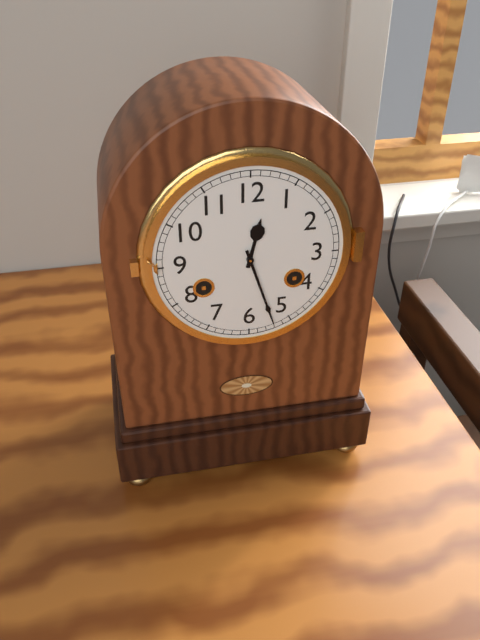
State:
12h27
